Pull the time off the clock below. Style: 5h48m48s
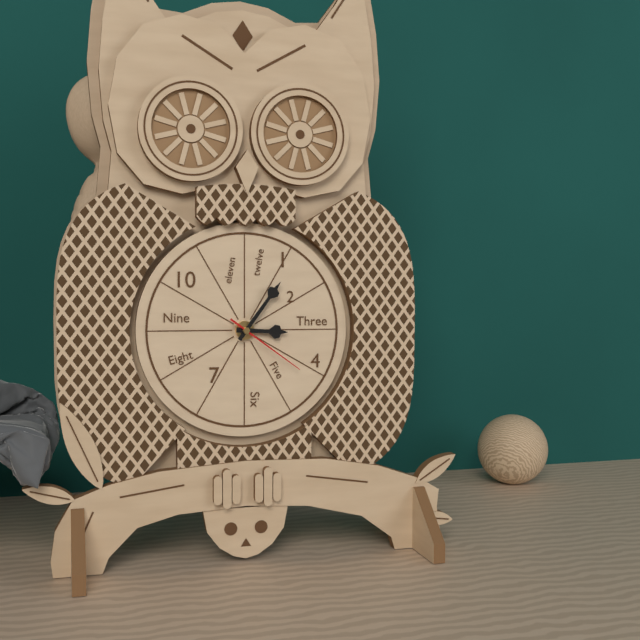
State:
3h06m21s
